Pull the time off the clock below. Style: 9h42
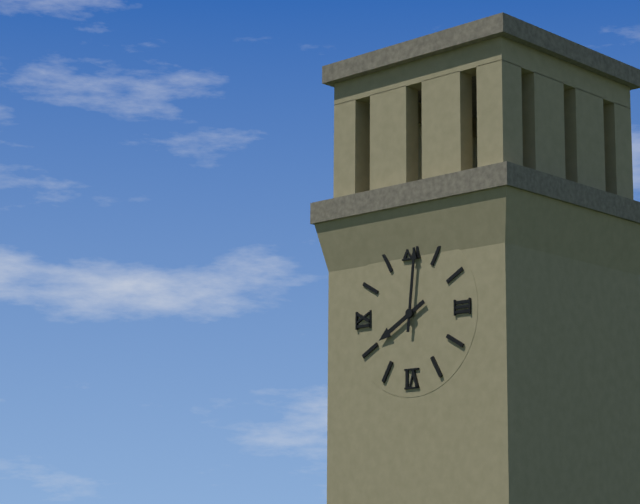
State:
8h01
